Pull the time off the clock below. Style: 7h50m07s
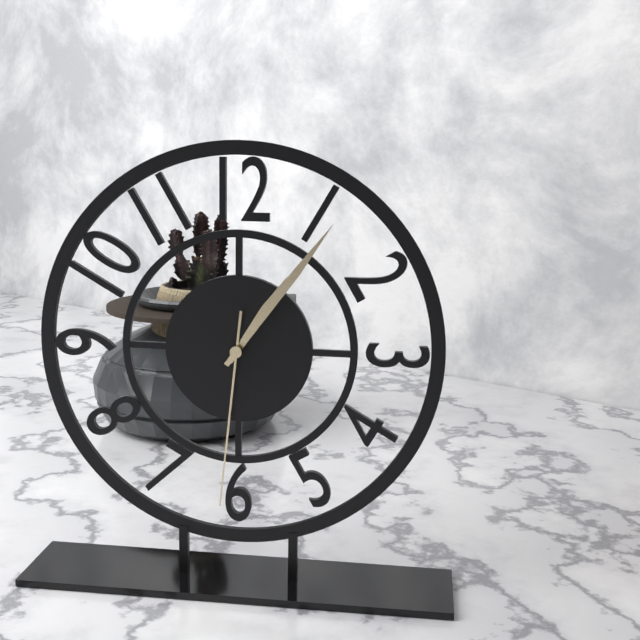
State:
1h06m31s
